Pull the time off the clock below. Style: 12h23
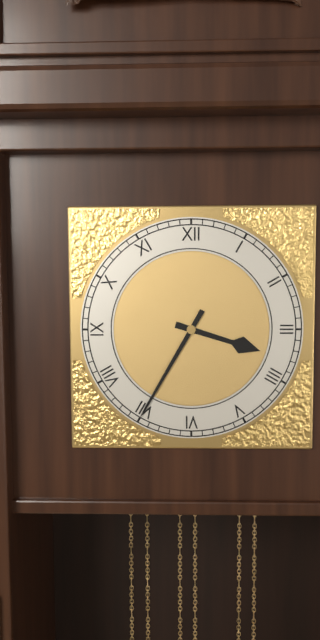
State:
3h35
